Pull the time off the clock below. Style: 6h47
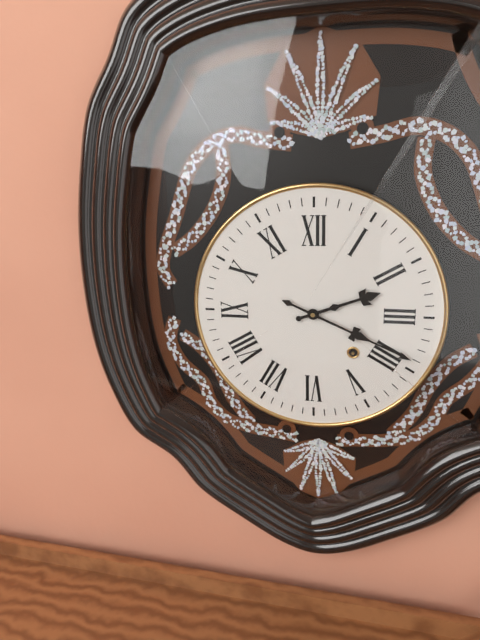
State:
2h19
